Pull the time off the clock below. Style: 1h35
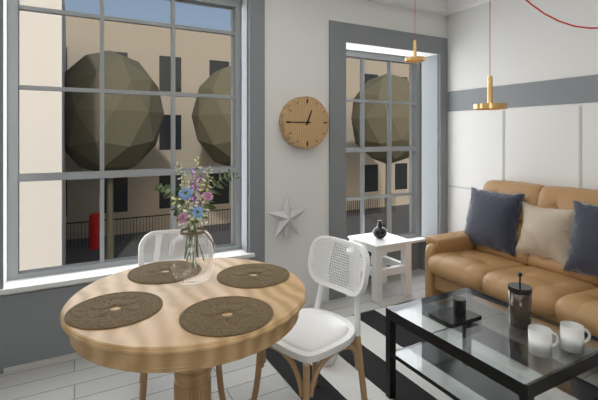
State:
12h45
